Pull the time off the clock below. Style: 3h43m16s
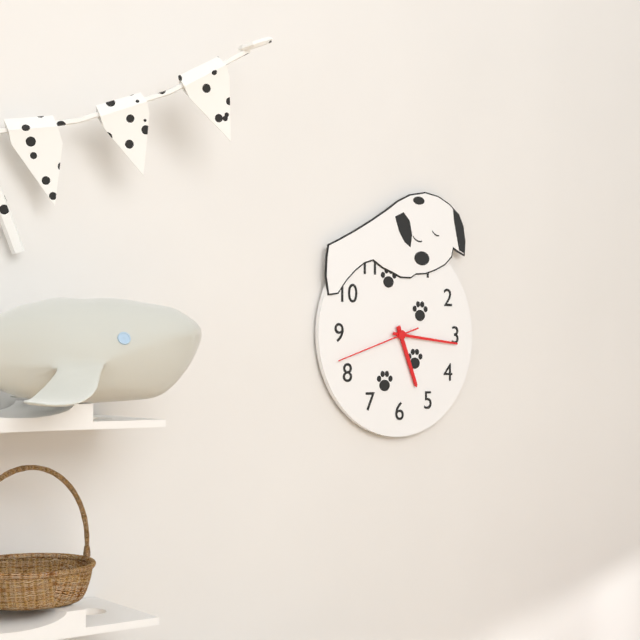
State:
5h16m42s
